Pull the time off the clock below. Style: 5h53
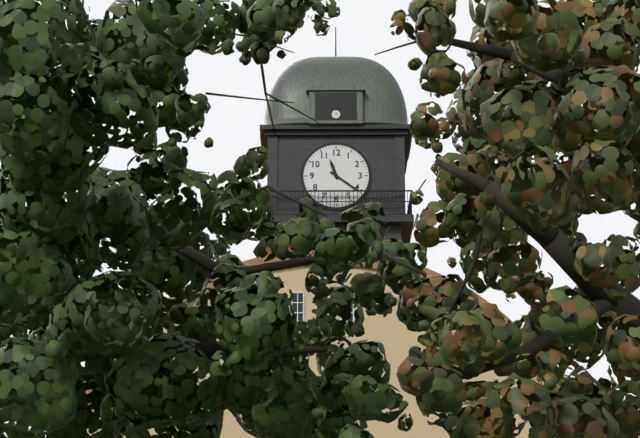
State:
11h21
